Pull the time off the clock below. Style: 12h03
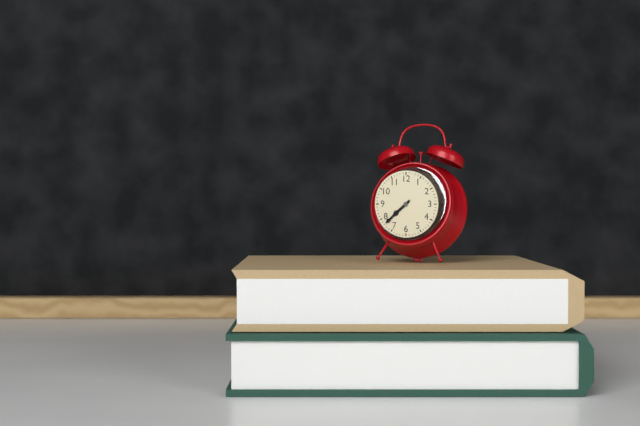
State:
7h38
